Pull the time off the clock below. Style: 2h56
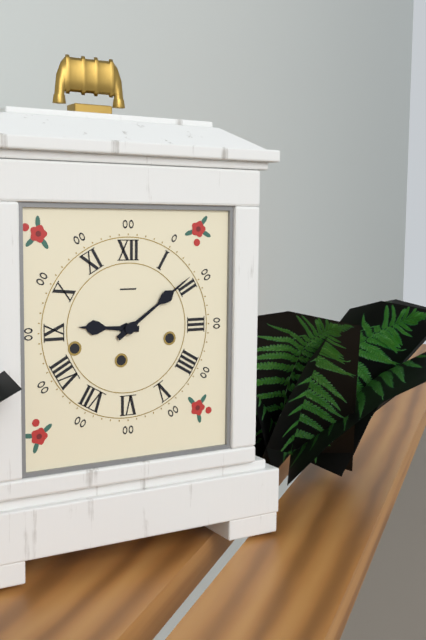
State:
9h09
